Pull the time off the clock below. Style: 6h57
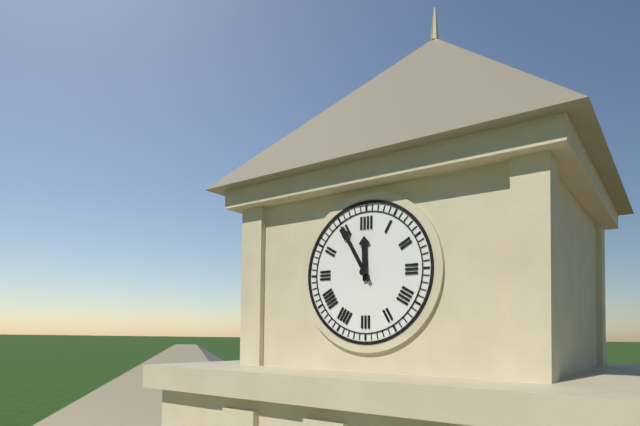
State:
11h55
